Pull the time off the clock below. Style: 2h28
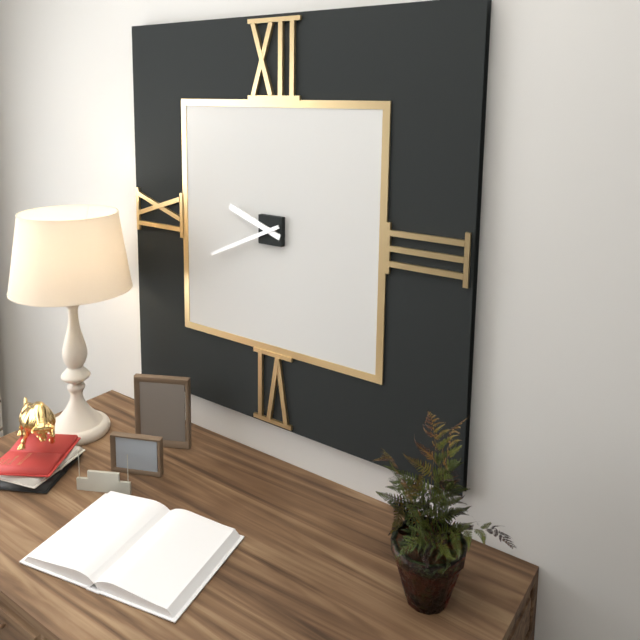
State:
9h41
